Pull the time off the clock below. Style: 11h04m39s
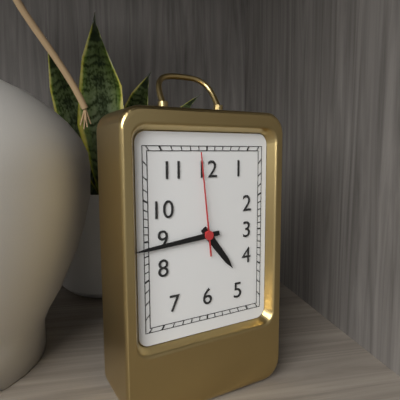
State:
4h44m59s
